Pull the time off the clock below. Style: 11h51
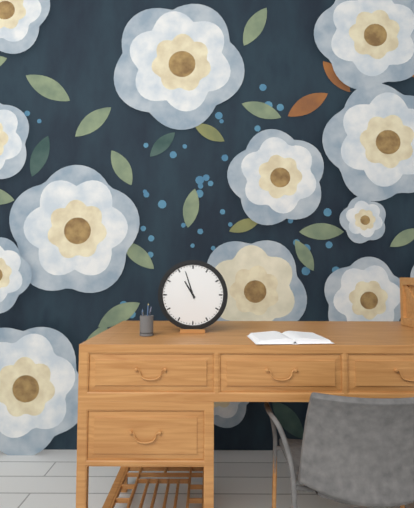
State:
10h57
